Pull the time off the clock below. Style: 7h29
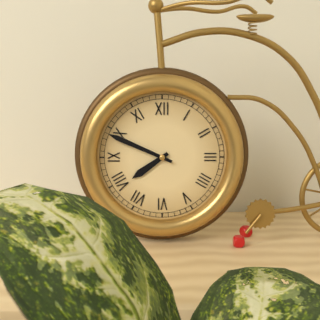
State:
7h49
